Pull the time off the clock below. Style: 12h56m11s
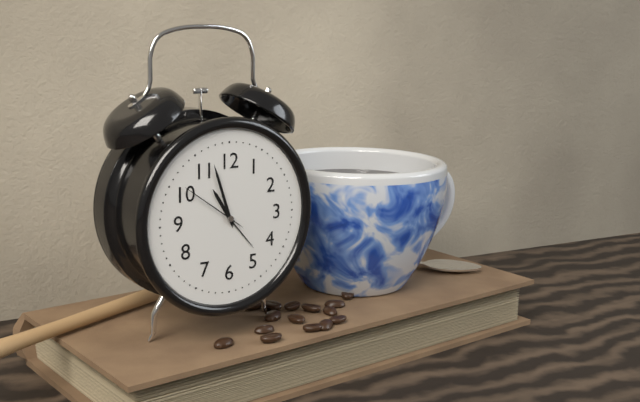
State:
10h57m51s
